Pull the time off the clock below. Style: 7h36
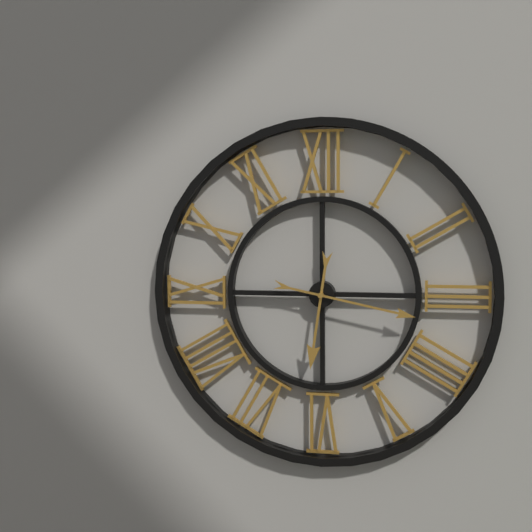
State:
6h17
